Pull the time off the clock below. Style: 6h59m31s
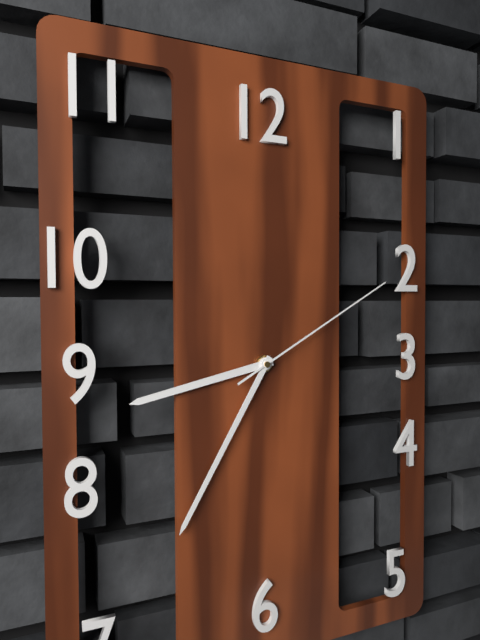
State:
8h35m10s
